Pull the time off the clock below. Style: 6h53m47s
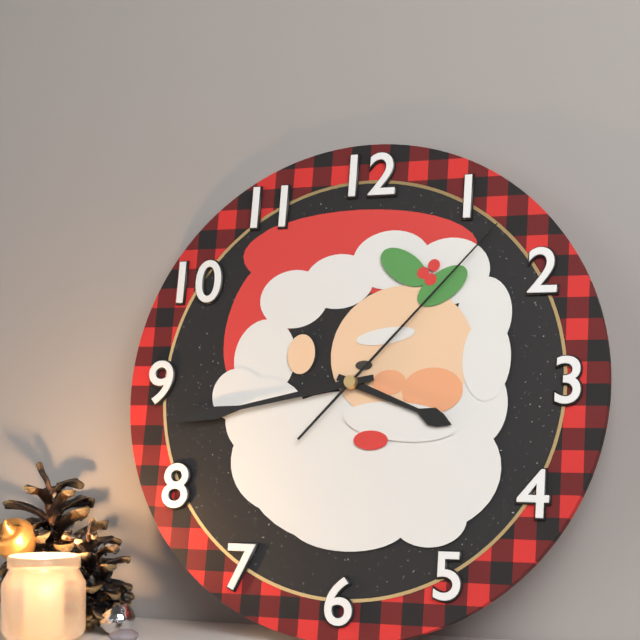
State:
3h43m07s
